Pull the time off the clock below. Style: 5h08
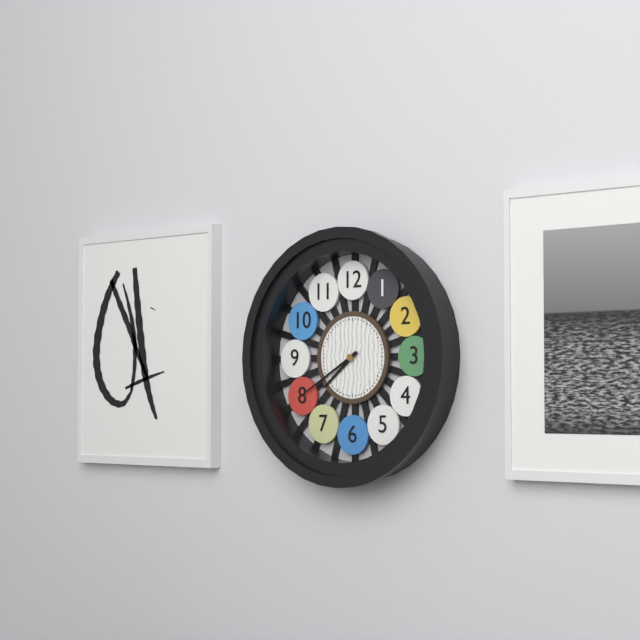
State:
7h40
